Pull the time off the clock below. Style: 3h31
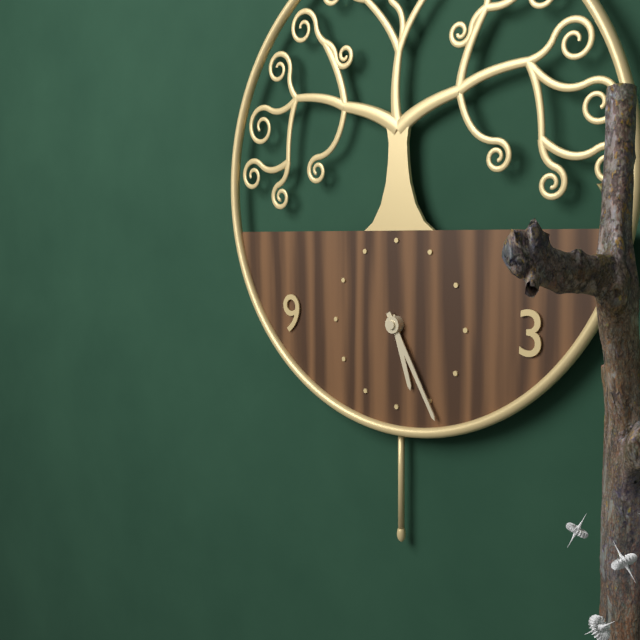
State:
5h25
